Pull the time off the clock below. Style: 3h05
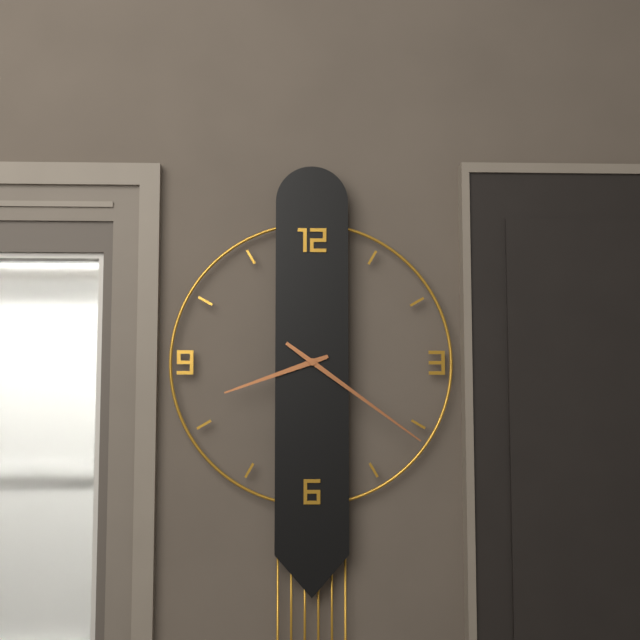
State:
8h21
